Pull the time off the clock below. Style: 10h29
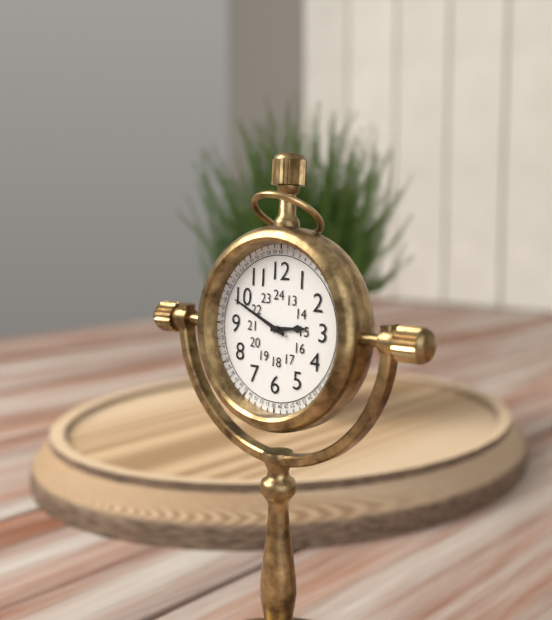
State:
2h49
